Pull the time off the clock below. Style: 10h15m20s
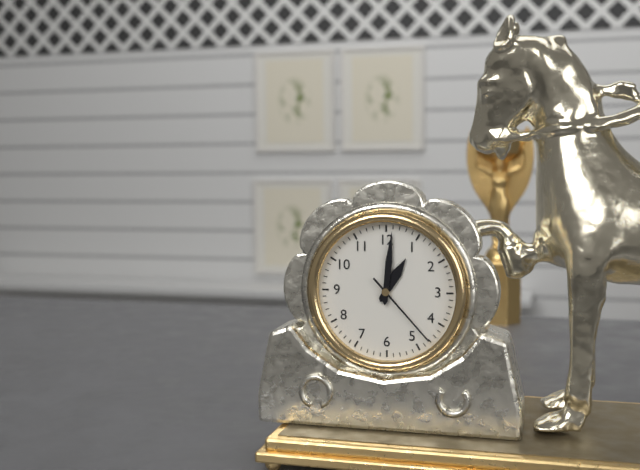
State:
1h01m23s
